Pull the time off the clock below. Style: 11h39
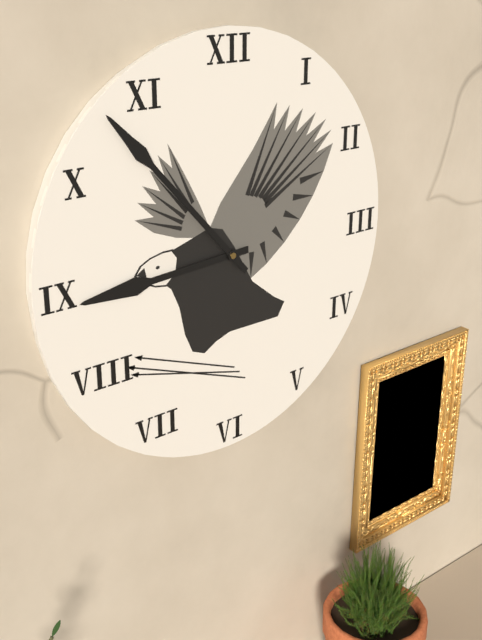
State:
8h53
